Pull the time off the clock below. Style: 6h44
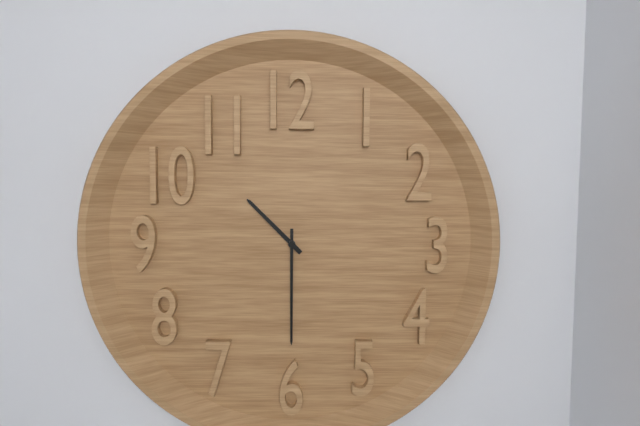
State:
10h30
